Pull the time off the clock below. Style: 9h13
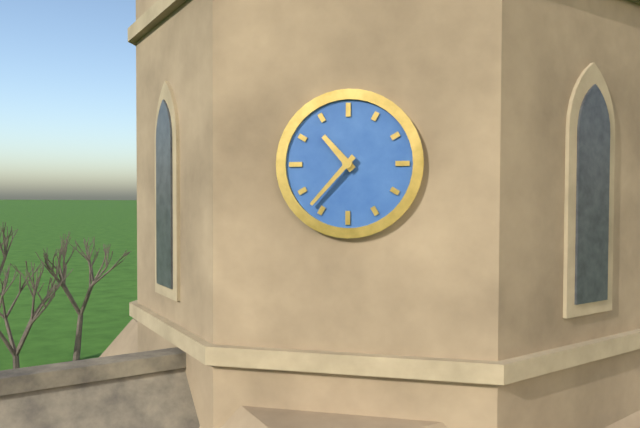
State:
10h37
